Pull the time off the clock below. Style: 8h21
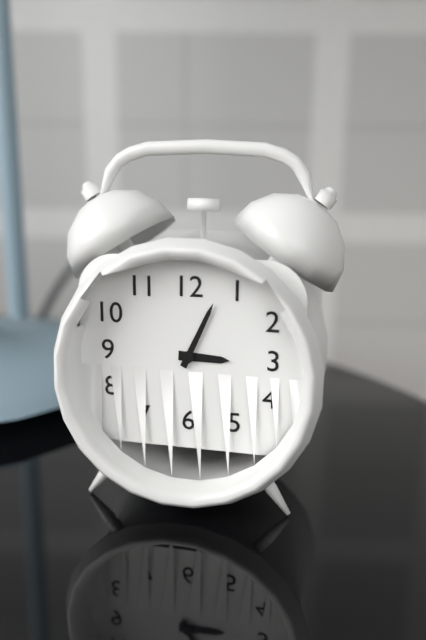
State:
3h04
